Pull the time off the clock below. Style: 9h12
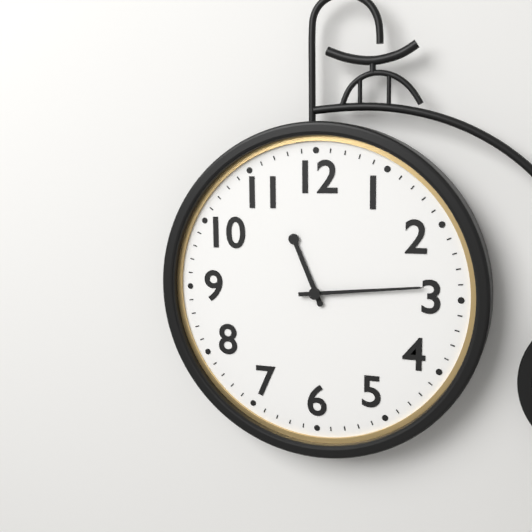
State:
11h14
